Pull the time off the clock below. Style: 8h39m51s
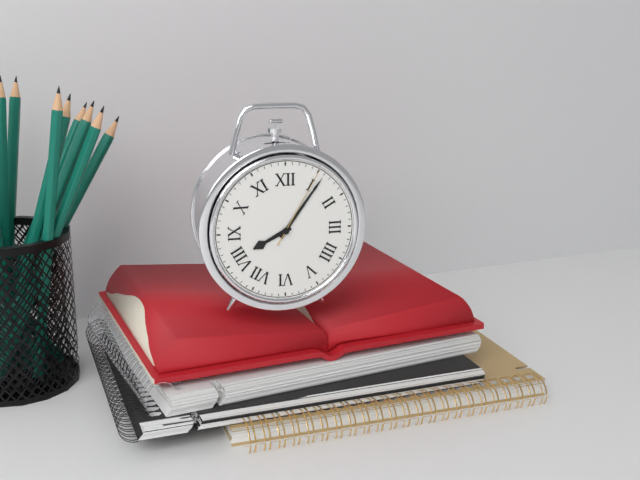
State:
8h06m05s
